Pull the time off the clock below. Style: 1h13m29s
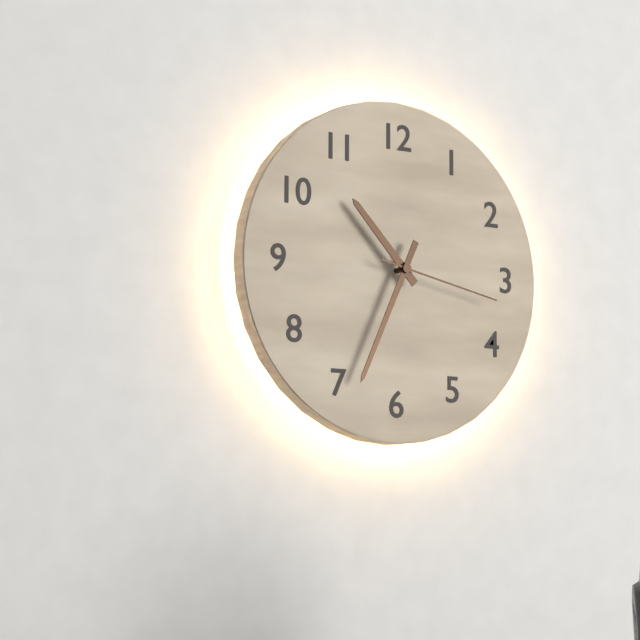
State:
10h34m17s
